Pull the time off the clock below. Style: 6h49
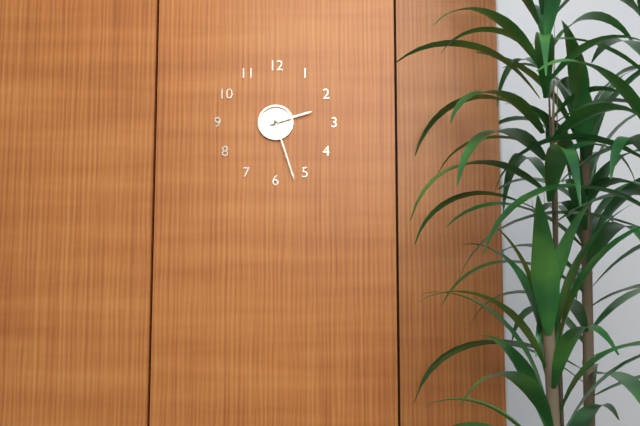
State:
2h27
